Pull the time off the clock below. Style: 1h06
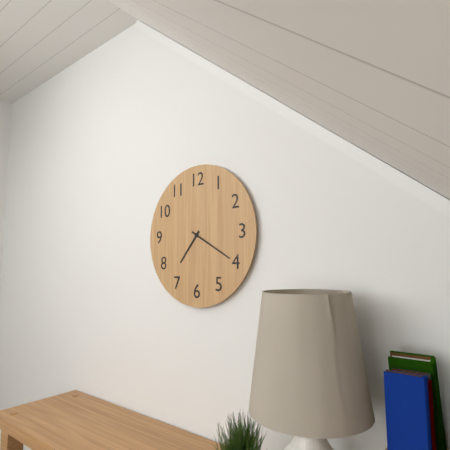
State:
7h20
